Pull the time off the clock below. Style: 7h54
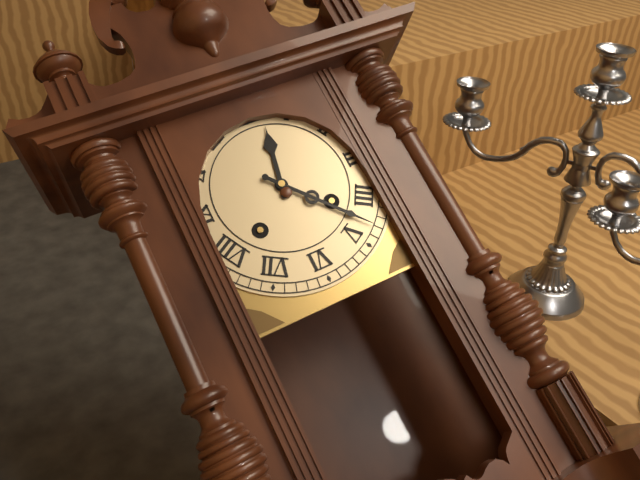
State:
12h23
